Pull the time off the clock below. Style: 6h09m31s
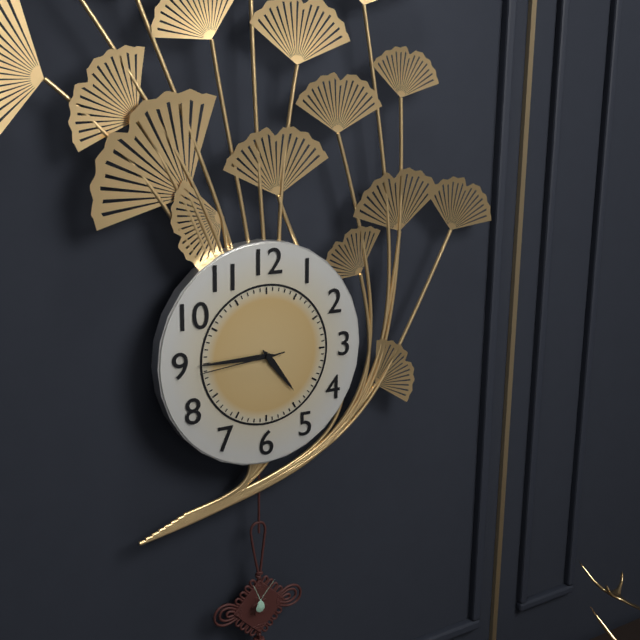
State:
4h45m44s
